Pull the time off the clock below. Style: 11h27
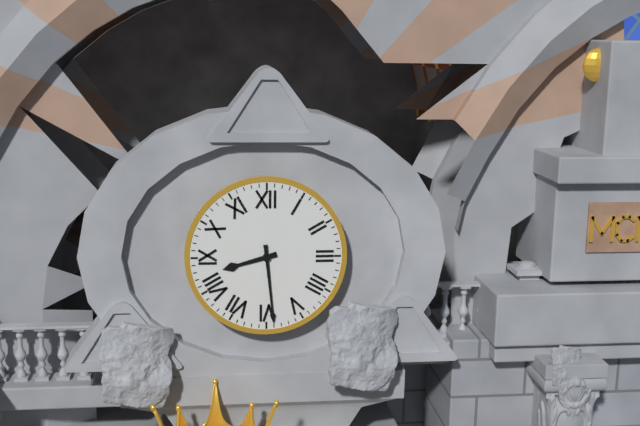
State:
8h29
